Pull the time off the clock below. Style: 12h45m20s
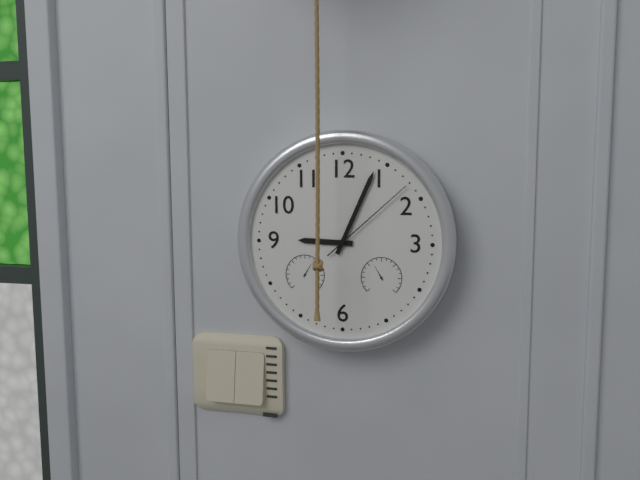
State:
9h04m08s
